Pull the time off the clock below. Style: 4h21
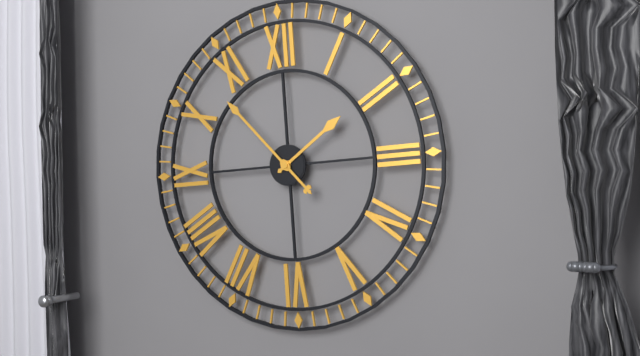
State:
1h53
